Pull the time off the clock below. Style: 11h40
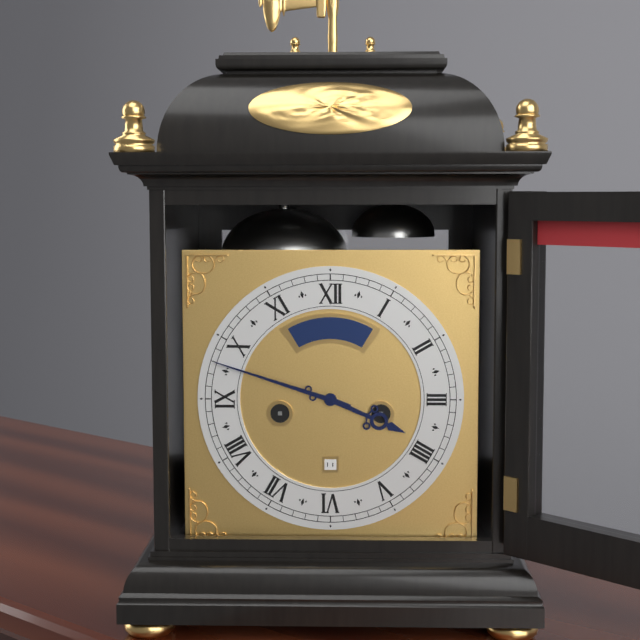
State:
3h48
